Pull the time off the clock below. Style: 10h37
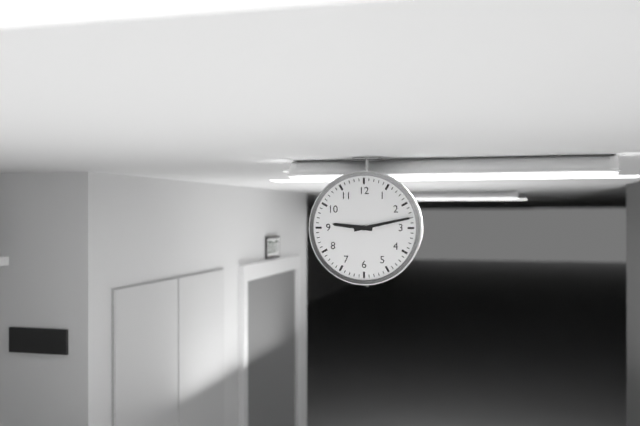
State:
9h13
